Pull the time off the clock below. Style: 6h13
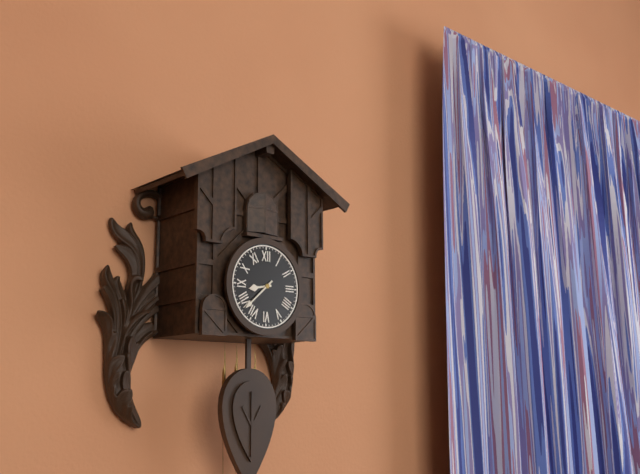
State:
8h38
